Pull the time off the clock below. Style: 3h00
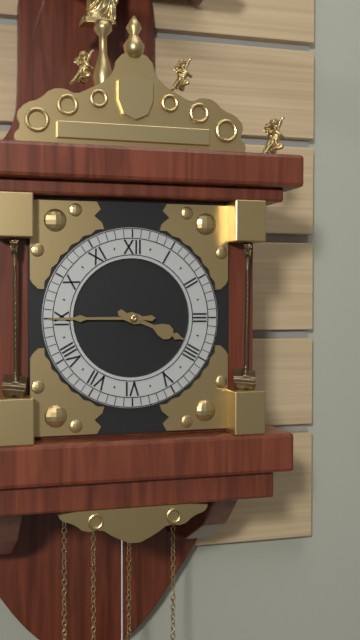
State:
3h45
